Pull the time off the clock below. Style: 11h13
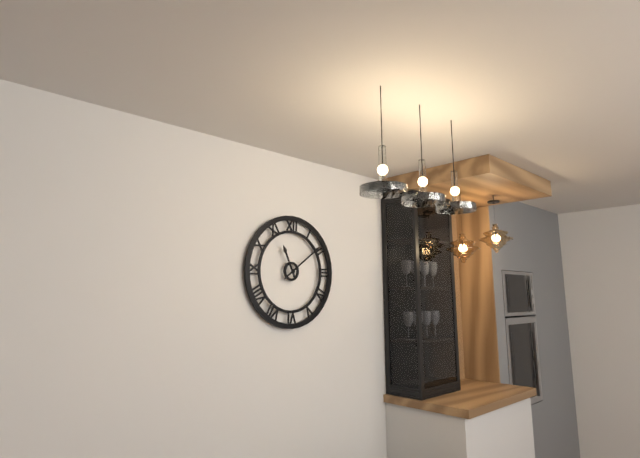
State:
11h09
